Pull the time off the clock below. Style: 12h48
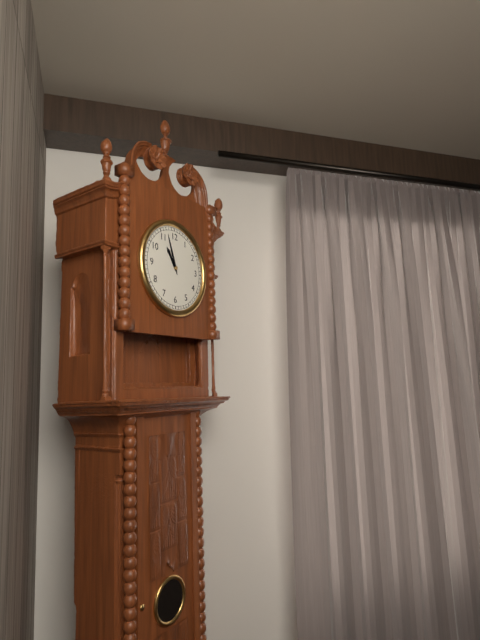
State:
10h57
